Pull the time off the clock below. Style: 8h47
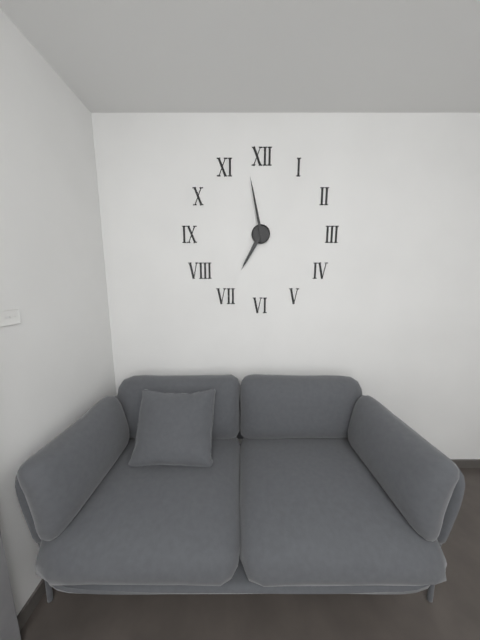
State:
6h58
